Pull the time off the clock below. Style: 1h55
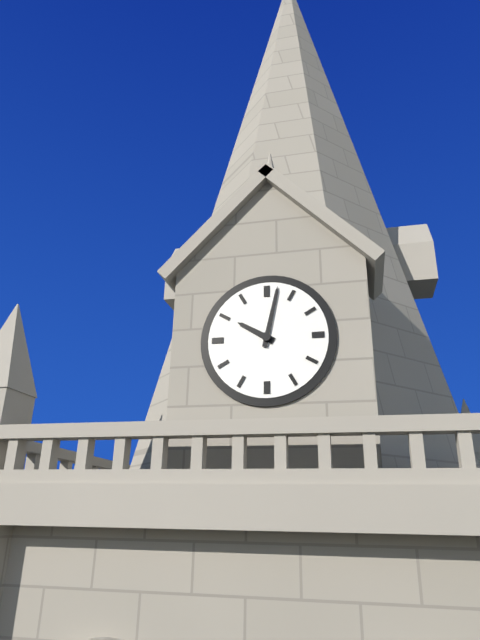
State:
10h02
